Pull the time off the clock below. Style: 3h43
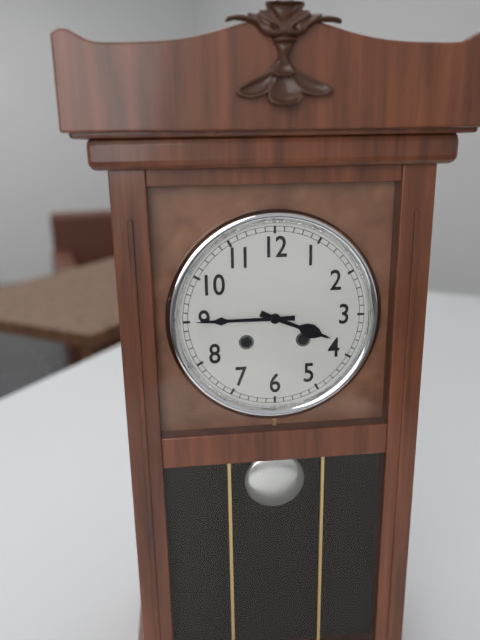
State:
3h45
